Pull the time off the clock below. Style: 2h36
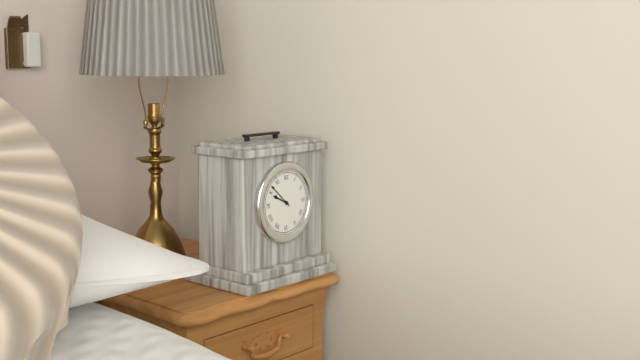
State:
9h52
